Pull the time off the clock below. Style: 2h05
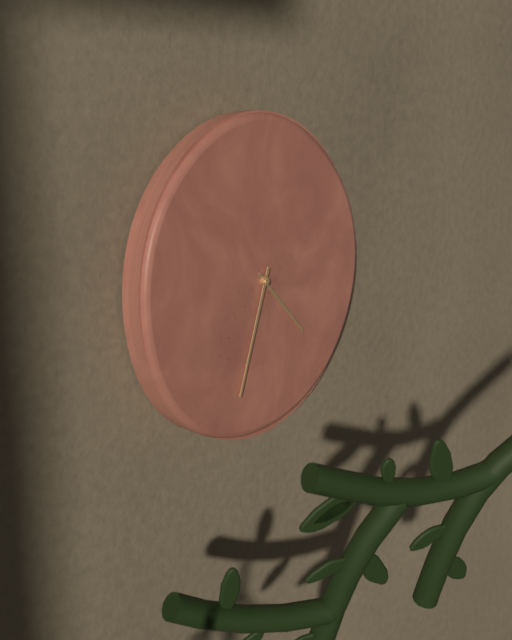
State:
4h33
